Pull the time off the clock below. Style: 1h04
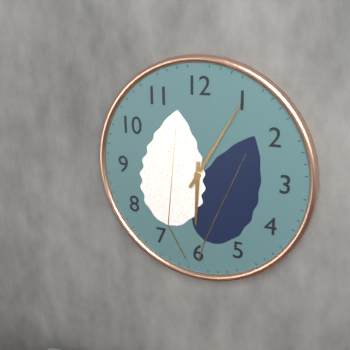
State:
6h05
